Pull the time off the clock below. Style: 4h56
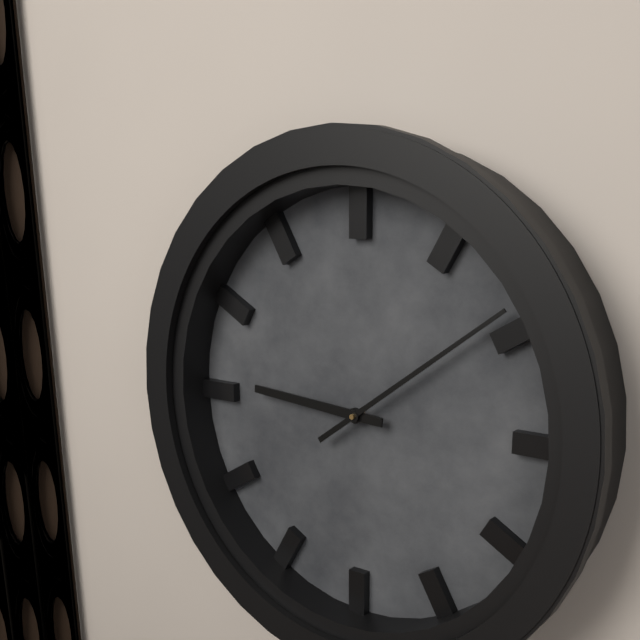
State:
9h09
